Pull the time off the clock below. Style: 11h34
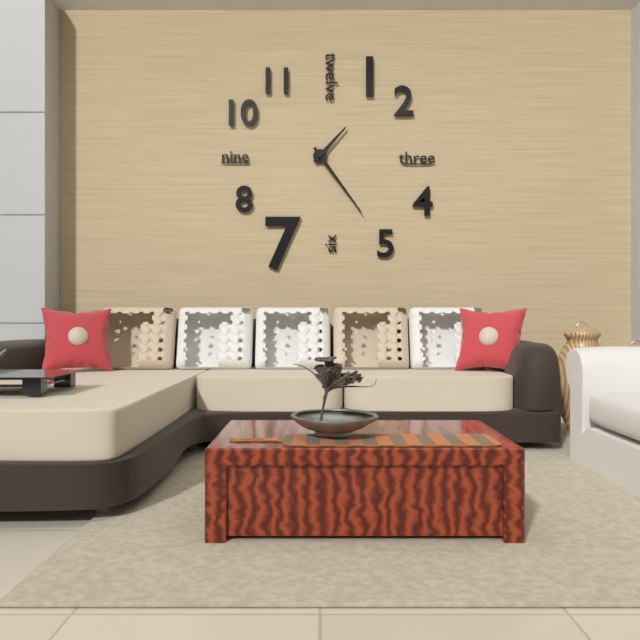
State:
1h24
